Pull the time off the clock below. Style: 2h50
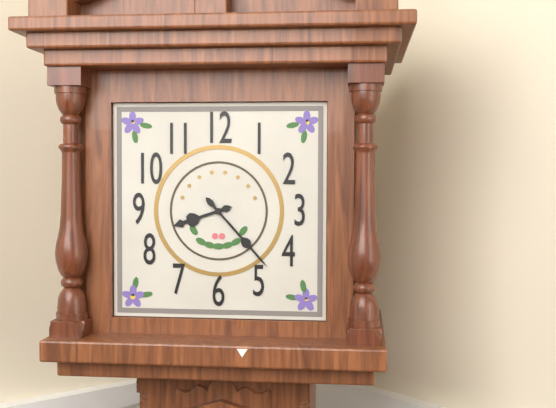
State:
8h23
